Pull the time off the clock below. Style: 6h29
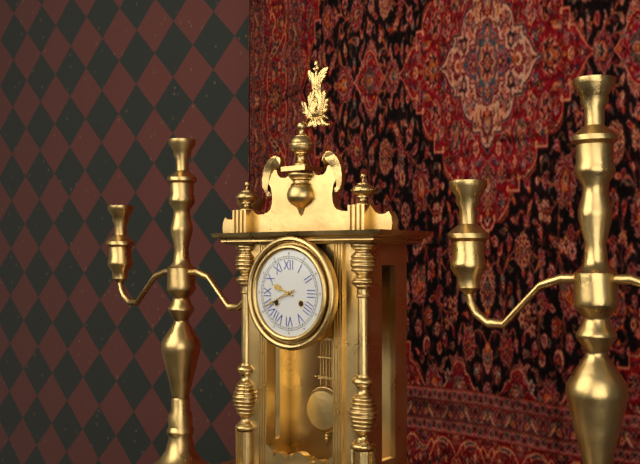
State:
9h41
